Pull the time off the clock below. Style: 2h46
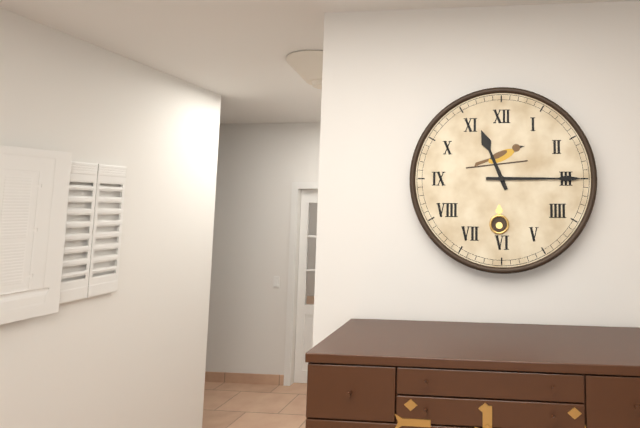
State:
11h15
